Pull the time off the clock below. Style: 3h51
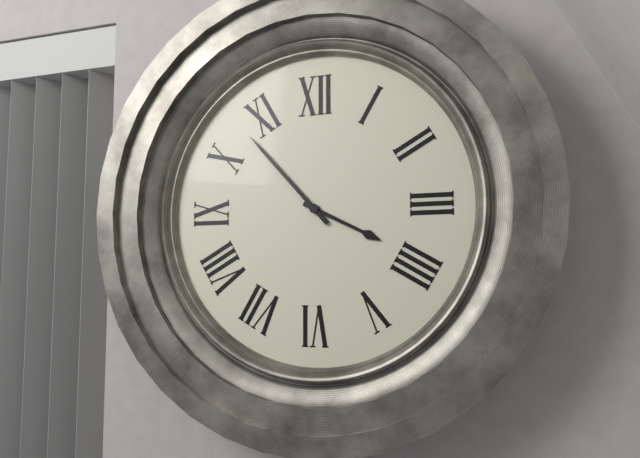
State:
3h53
